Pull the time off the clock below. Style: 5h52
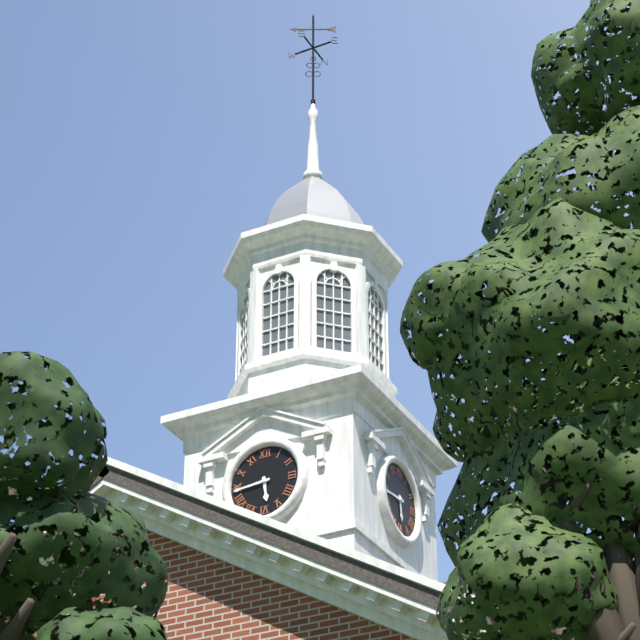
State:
5h44
